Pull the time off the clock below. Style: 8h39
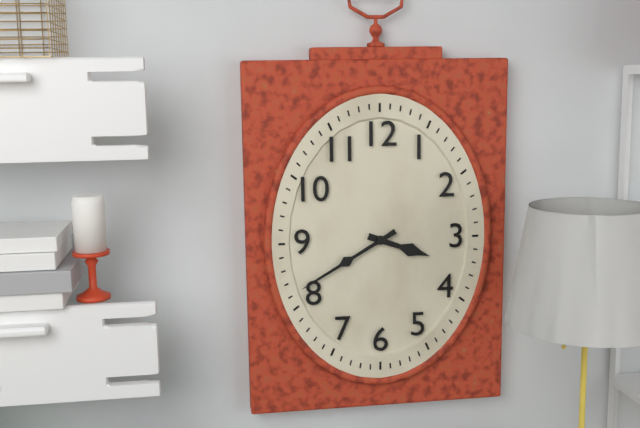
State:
3h40
